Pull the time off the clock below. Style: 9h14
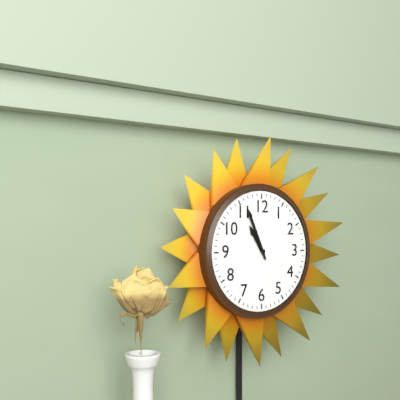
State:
10h56
